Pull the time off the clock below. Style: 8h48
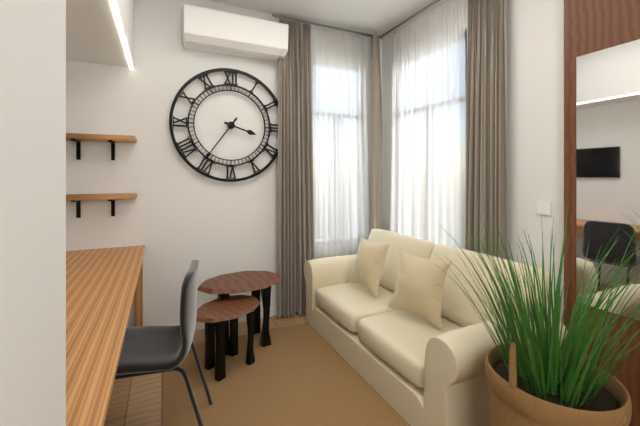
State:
3h36
